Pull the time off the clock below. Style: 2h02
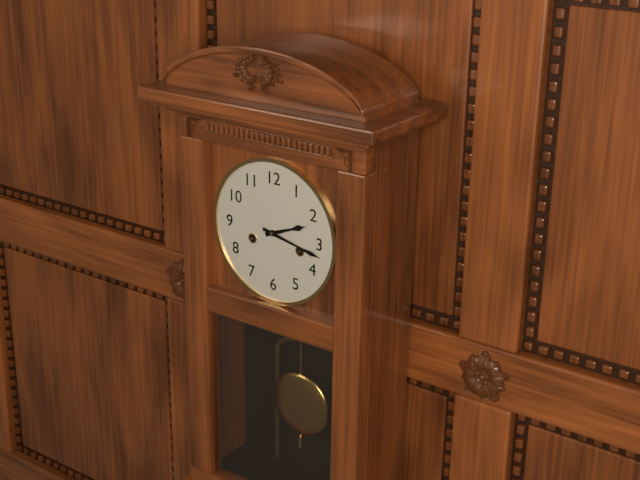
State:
2h17
